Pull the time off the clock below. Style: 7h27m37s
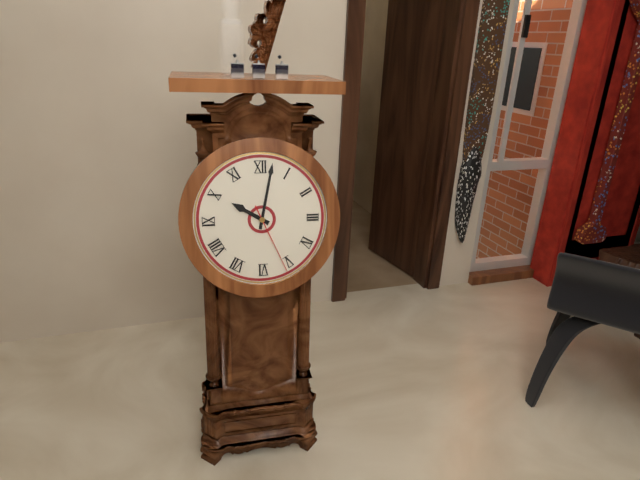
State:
10h02m26s
